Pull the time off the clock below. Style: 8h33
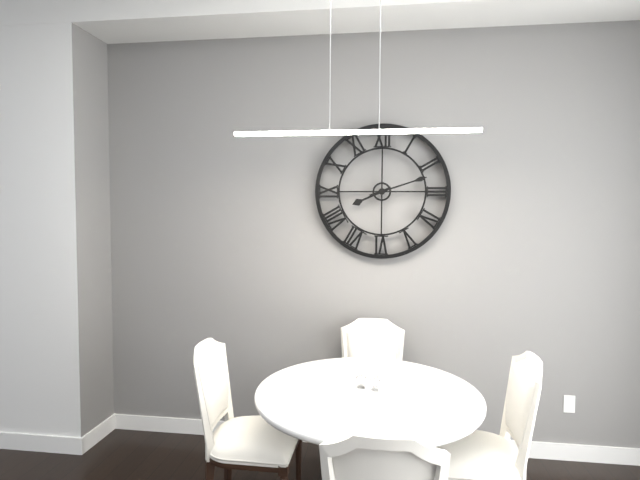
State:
8h12
